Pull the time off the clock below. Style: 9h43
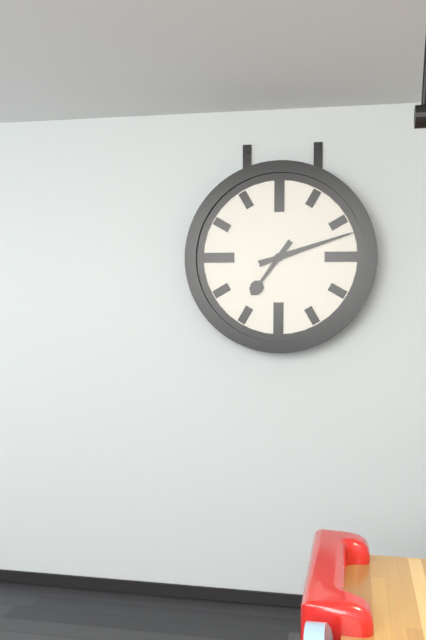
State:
7h12
